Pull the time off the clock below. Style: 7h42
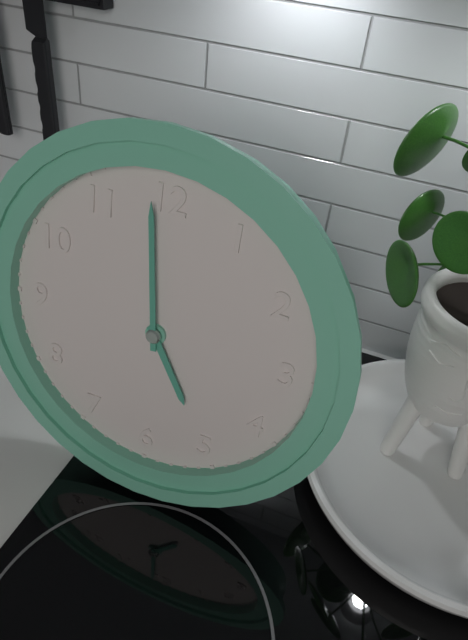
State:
4h59
